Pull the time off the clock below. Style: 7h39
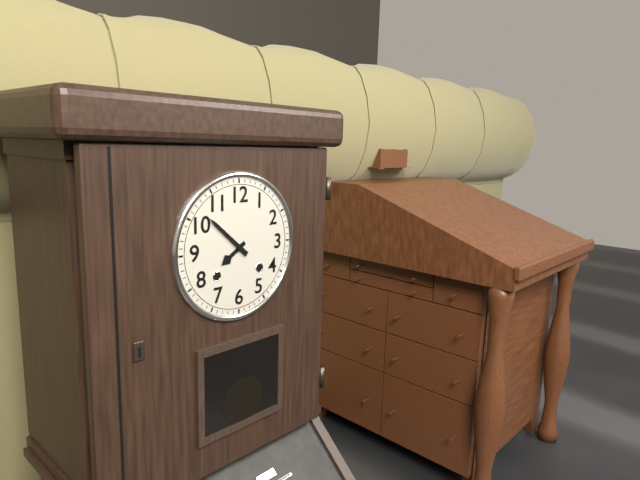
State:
7h52
